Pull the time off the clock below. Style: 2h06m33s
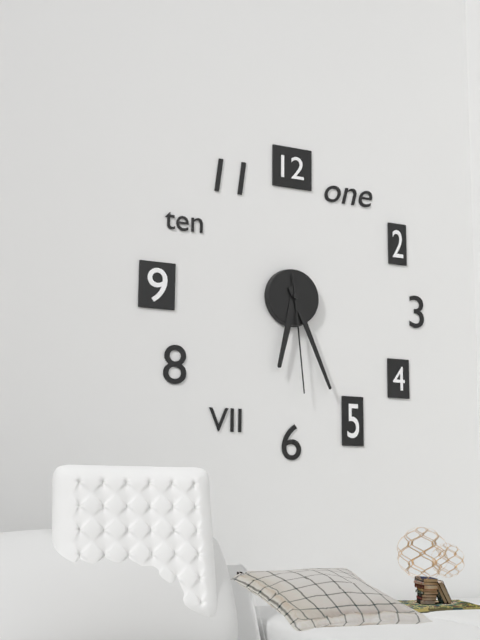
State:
6h26m29s
